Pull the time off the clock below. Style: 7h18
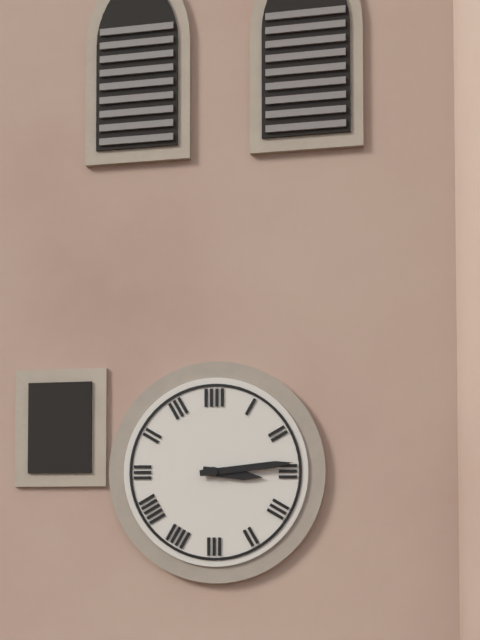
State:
3h14
